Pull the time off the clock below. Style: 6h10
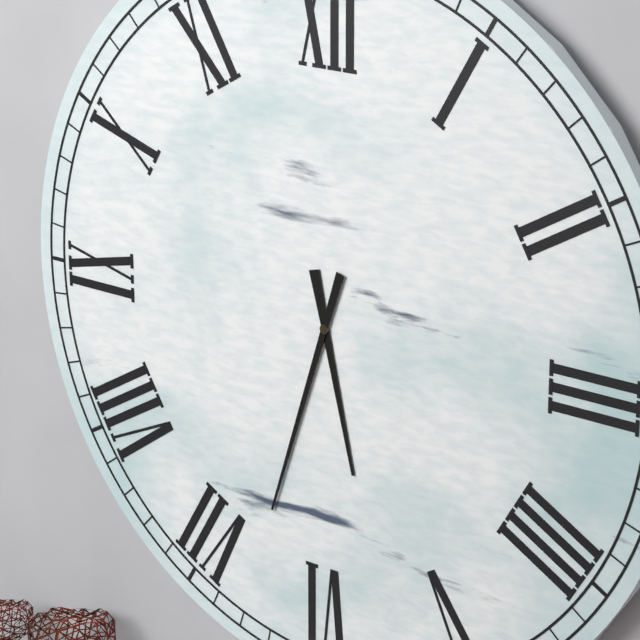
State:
5h33
